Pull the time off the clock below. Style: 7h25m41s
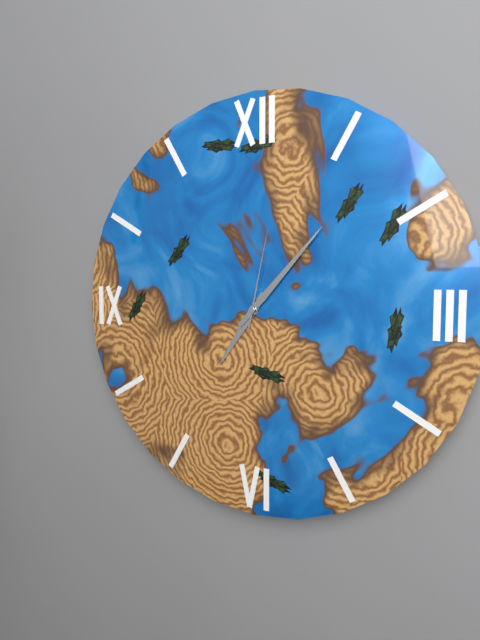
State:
7h07m02s
